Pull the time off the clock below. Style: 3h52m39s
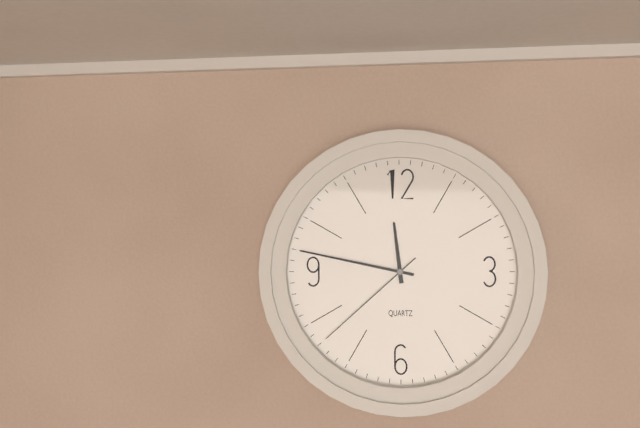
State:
11h47m38s
